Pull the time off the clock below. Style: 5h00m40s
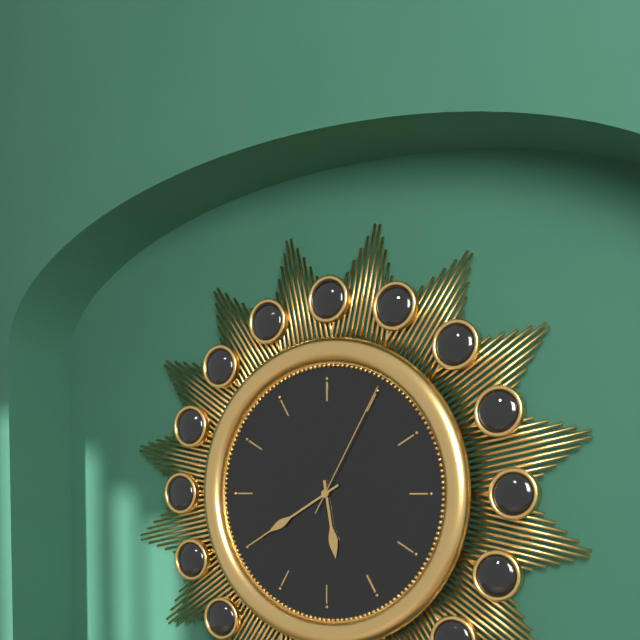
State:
5h40m05s
